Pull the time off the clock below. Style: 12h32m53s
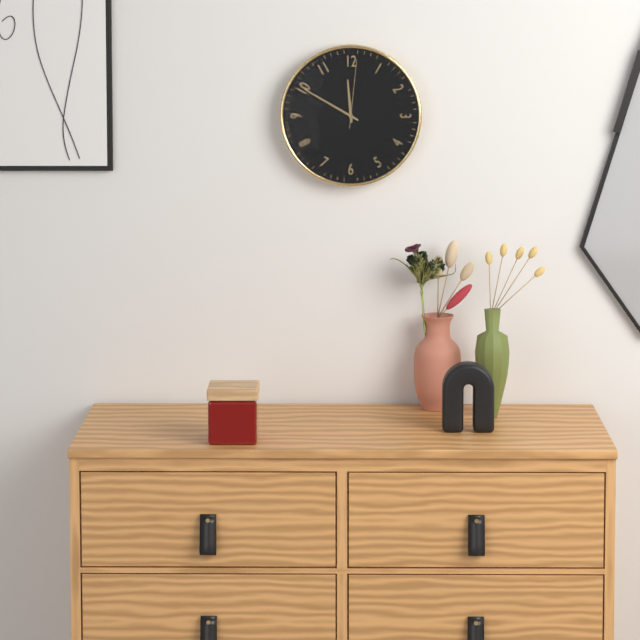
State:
11h50m01s
